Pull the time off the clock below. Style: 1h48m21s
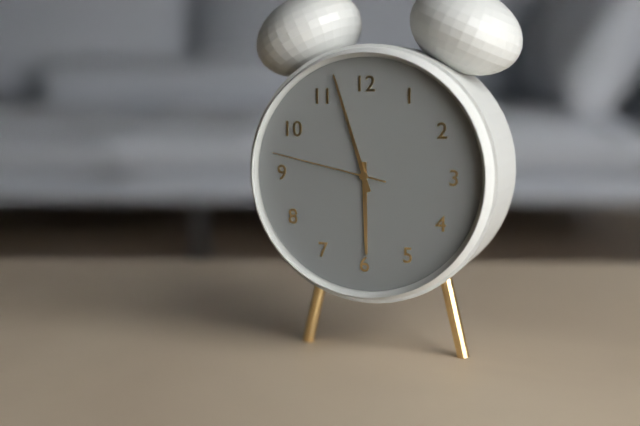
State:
5h57m47s
